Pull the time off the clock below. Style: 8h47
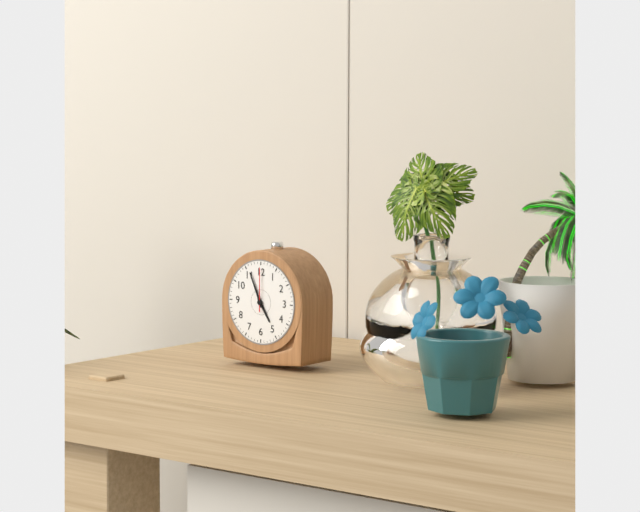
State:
4h56
